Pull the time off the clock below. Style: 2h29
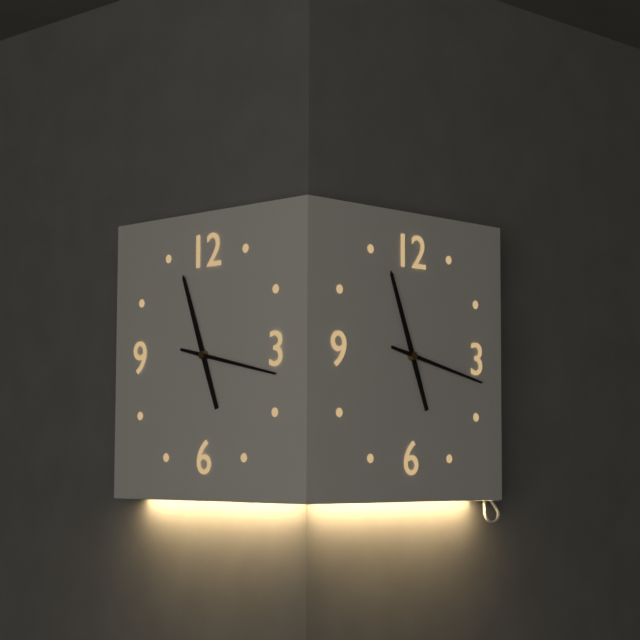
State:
11h17
